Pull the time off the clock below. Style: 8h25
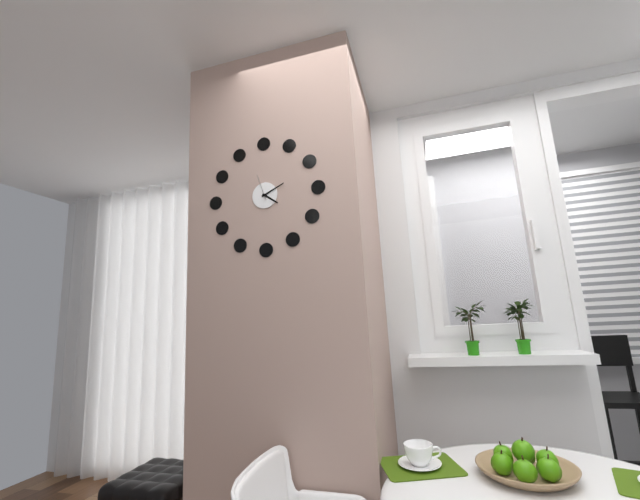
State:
4h11
